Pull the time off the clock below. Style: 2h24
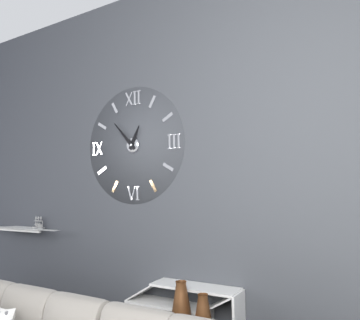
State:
12h53
